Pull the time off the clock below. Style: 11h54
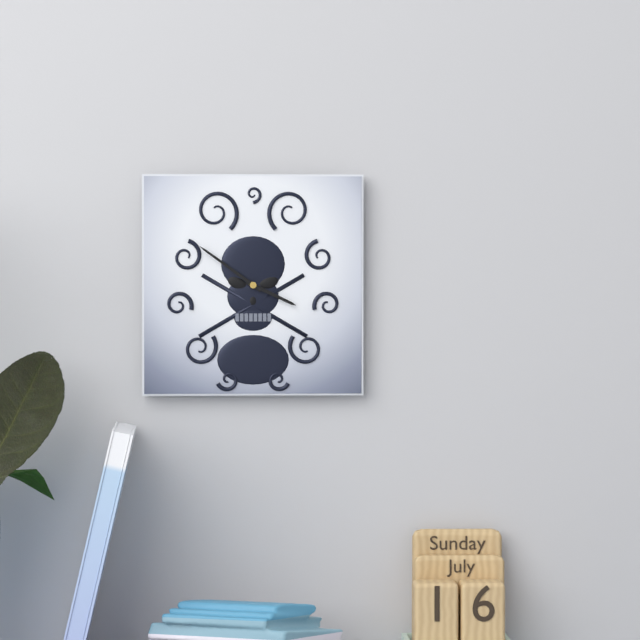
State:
3h51
